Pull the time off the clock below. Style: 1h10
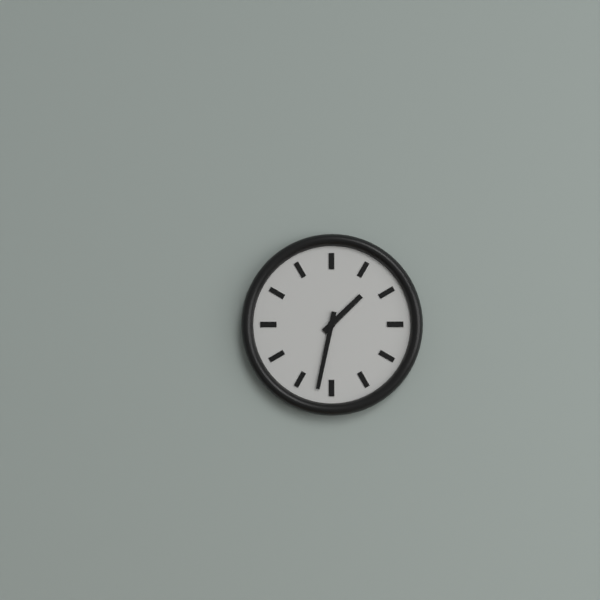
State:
1h32
